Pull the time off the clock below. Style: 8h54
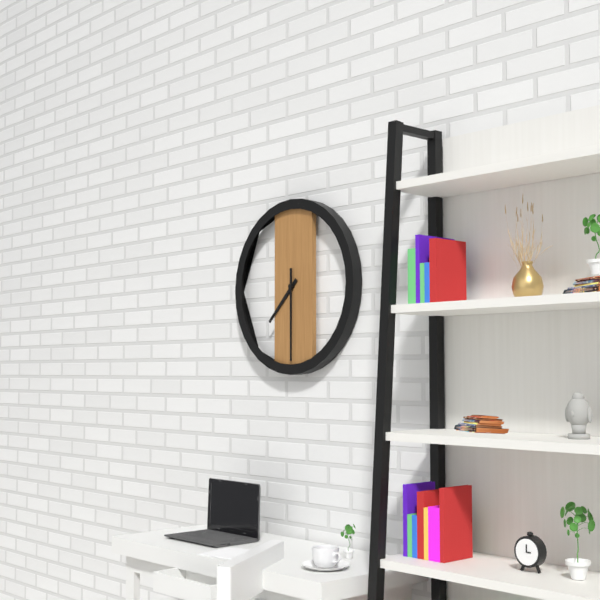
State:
7h30
